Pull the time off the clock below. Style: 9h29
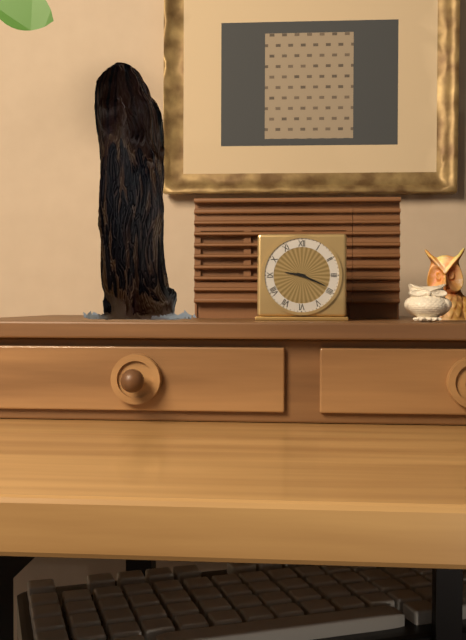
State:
9h19
